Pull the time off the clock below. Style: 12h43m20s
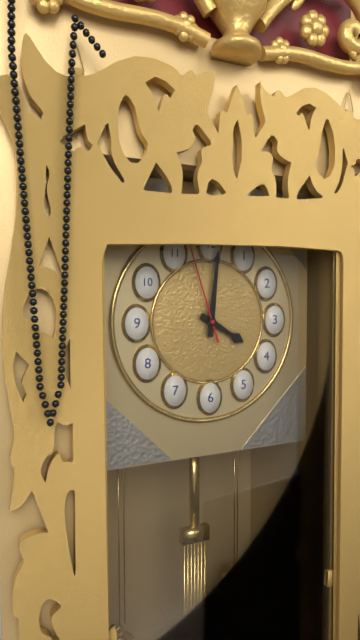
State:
4h01m57s
